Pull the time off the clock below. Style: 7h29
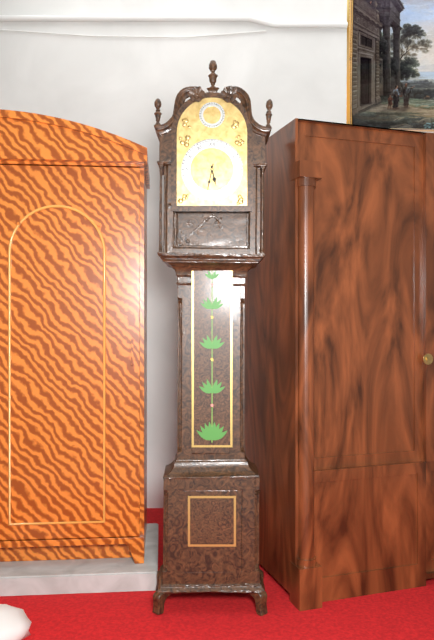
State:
5h32
